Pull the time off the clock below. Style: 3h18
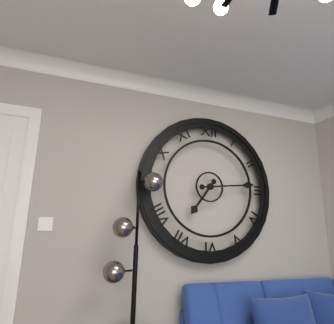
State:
7h14
